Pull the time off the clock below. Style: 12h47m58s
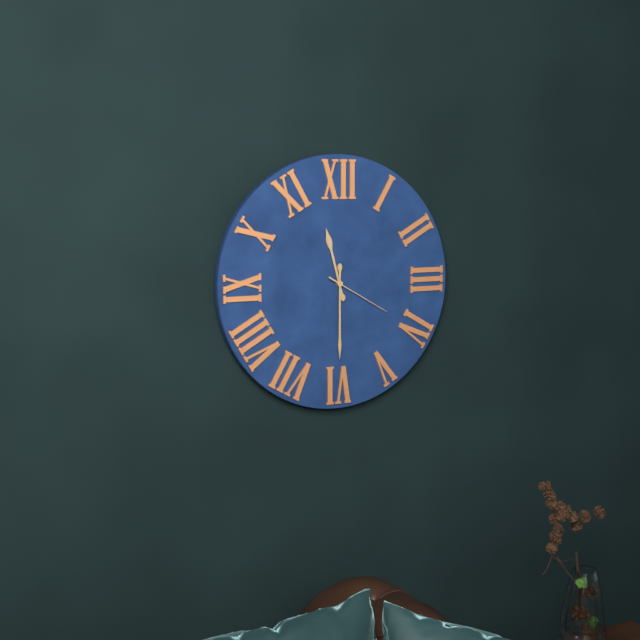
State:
11h30m20s
